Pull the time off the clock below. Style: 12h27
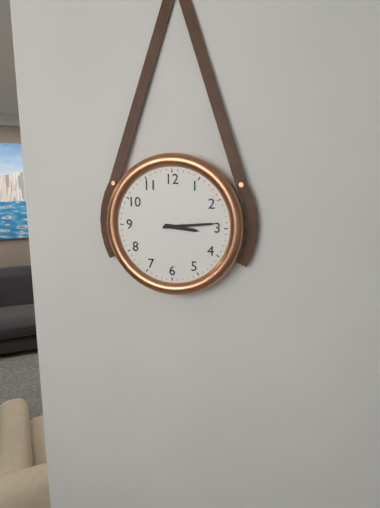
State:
3h14
